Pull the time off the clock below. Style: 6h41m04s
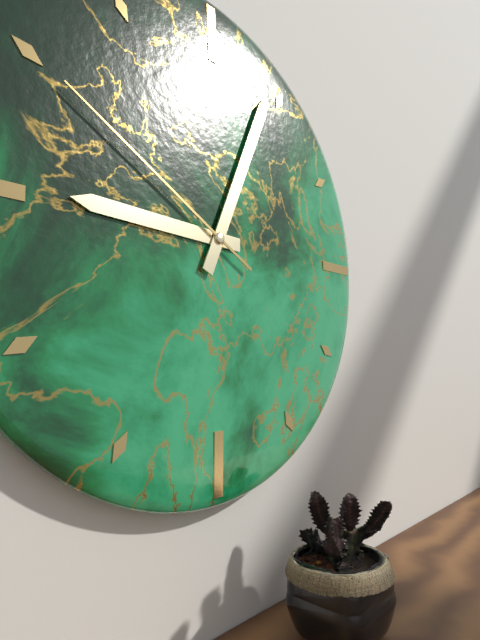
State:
9h04m50s
